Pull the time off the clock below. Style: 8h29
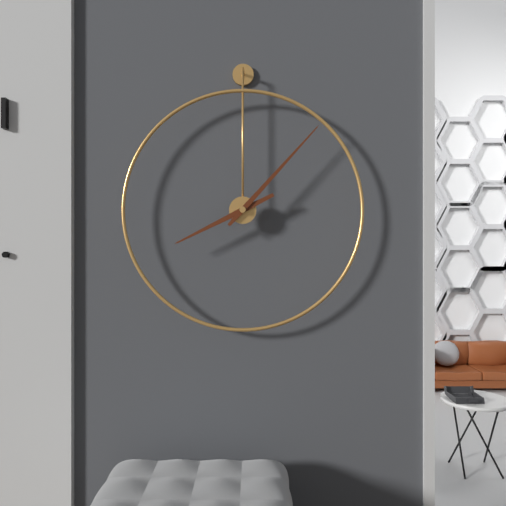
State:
8h07
